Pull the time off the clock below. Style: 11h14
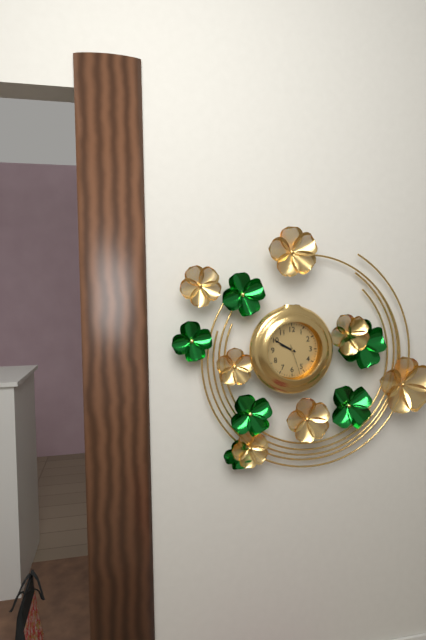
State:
9h50
